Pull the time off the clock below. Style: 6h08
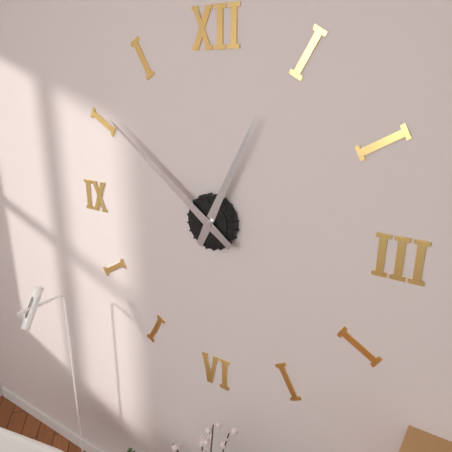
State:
12h51
